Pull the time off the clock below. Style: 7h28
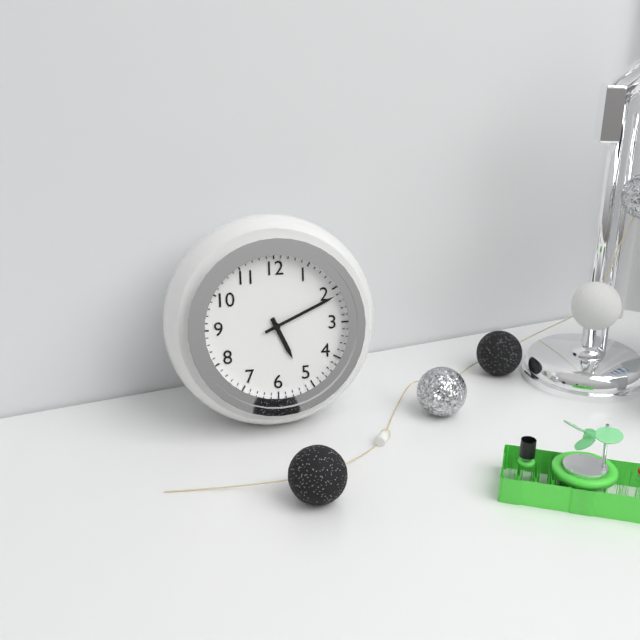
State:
5h11
